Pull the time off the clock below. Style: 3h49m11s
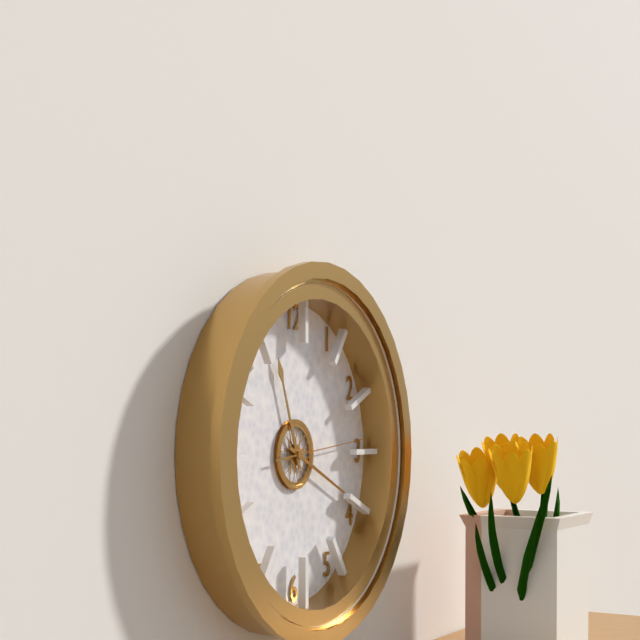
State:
11h19m14s
